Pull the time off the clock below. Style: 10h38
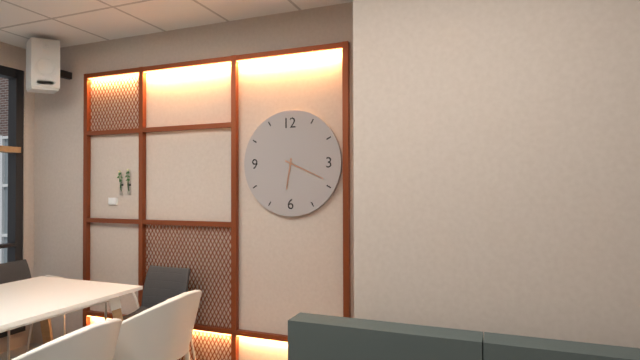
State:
6h19
